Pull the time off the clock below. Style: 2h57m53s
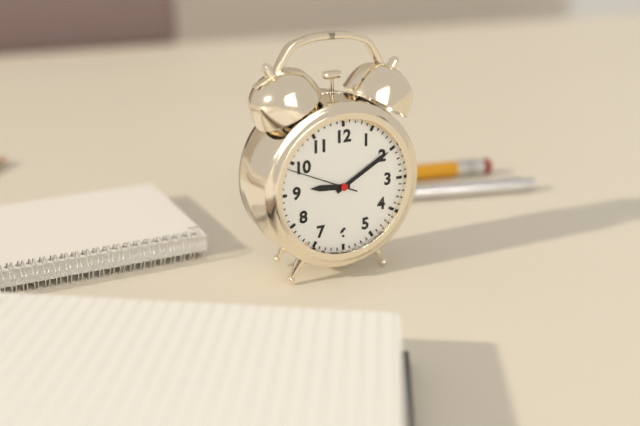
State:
9h10m49s
